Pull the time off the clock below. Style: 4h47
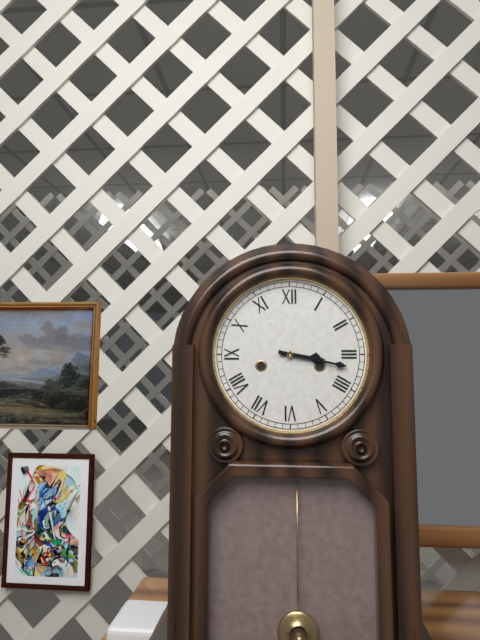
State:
3h17
